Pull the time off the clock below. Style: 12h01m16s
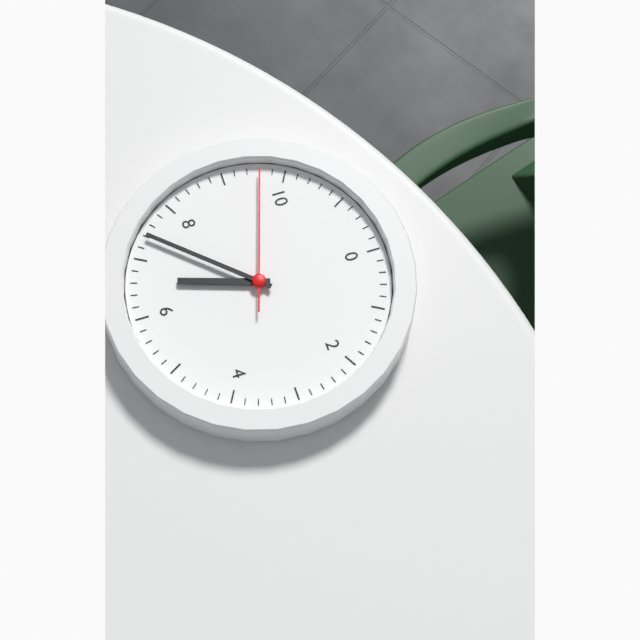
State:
6h37m48s
